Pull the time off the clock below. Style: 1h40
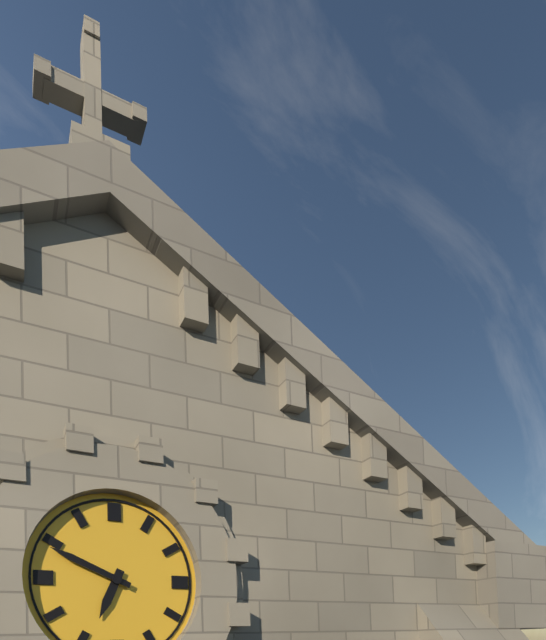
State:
6h49
